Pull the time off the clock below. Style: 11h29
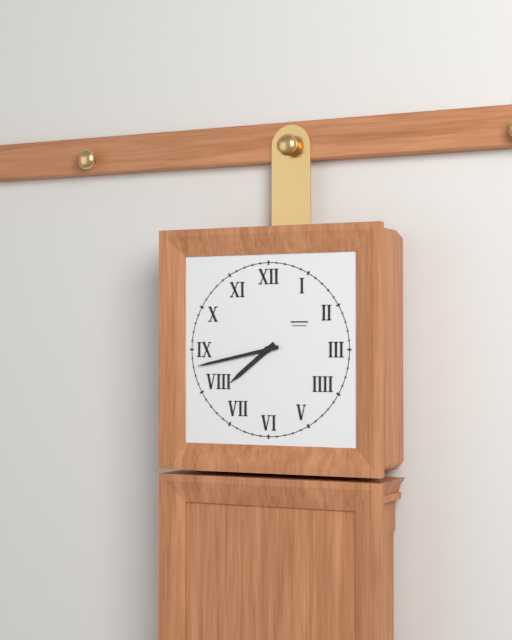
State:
7h43
